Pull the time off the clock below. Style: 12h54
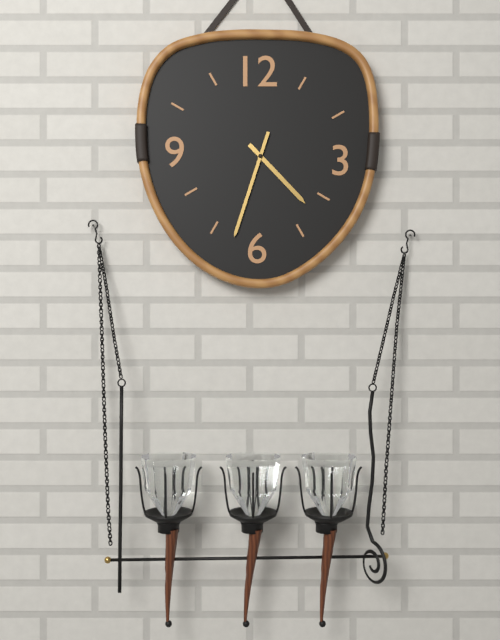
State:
4h33
